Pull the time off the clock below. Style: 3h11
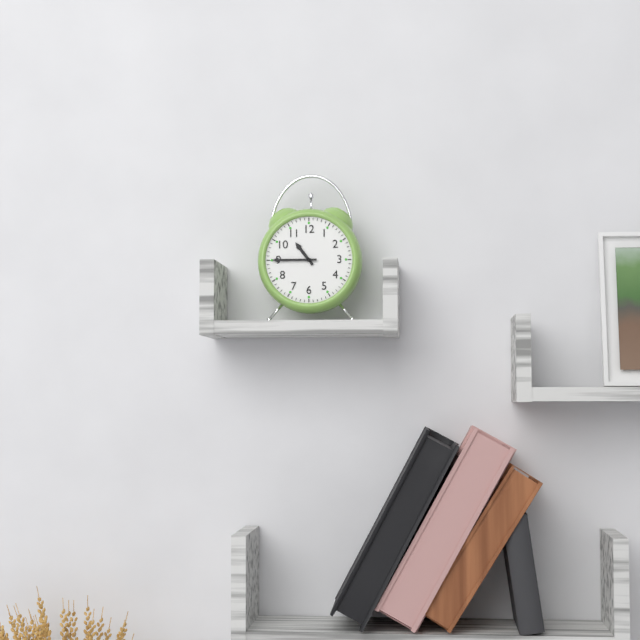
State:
10h45
